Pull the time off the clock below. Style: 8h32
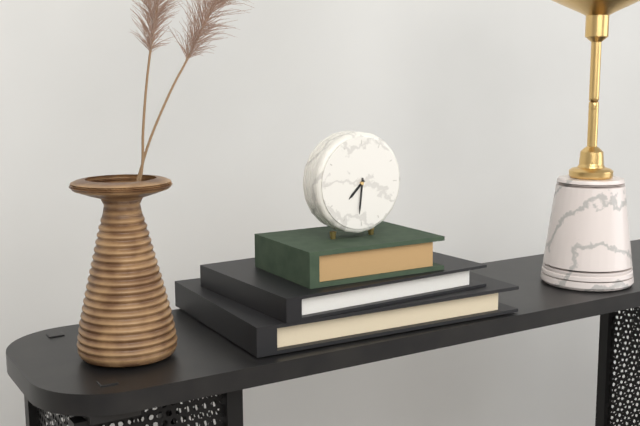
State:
7h31
